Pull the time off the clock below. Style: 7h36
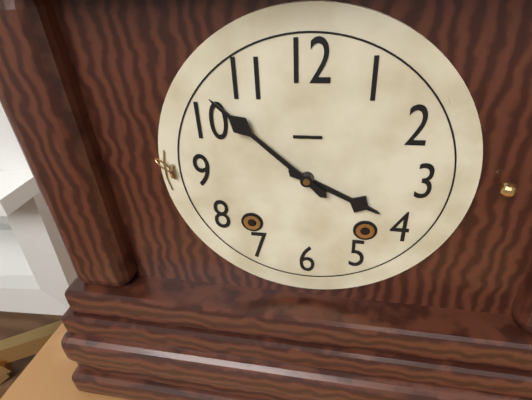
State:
3h52
